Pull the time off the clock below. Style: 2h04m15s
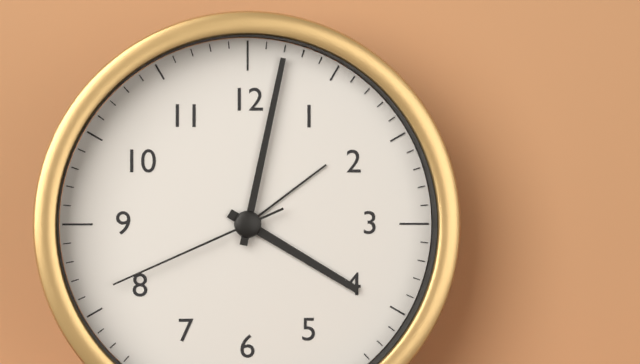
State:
4h02m41s
